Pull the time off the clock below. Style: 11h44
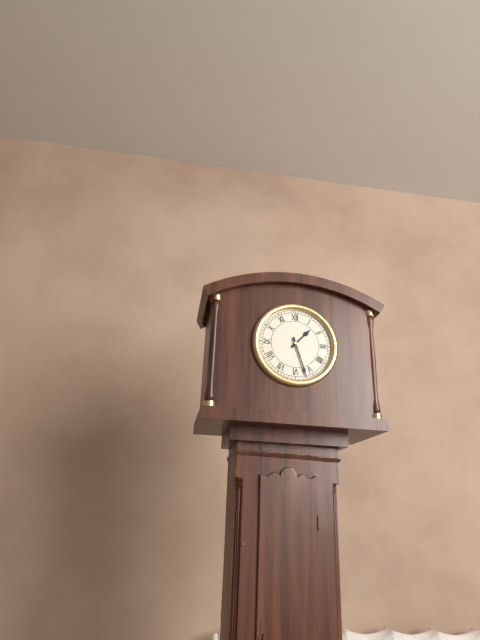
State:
1h27
